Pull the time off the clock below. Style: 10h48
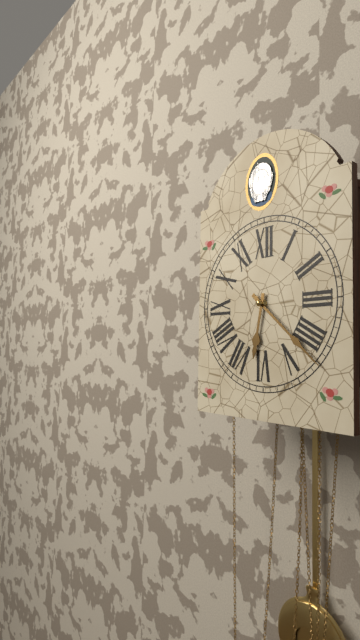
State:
6h22
